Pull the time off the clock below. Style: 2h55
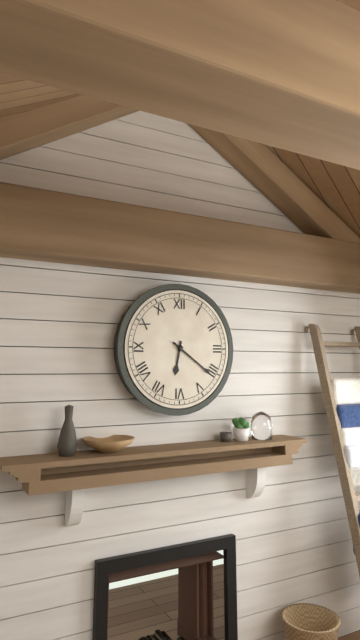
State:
6h21
